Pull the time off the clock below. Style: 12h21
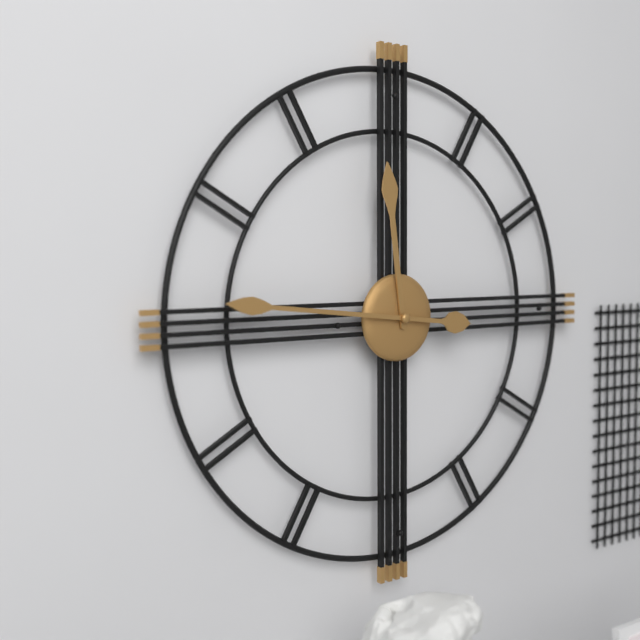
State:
11h46
